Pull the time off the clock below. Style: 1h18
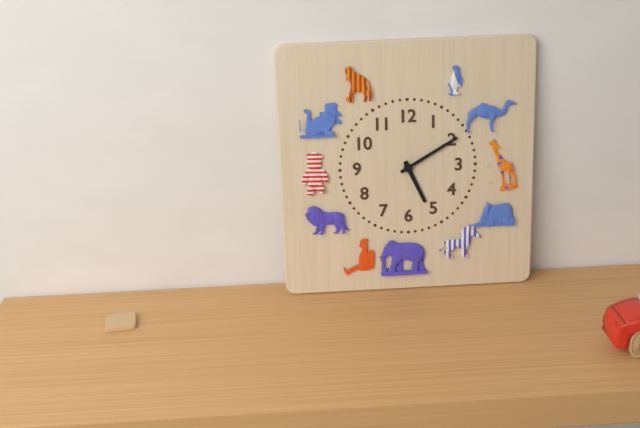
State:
5h10
